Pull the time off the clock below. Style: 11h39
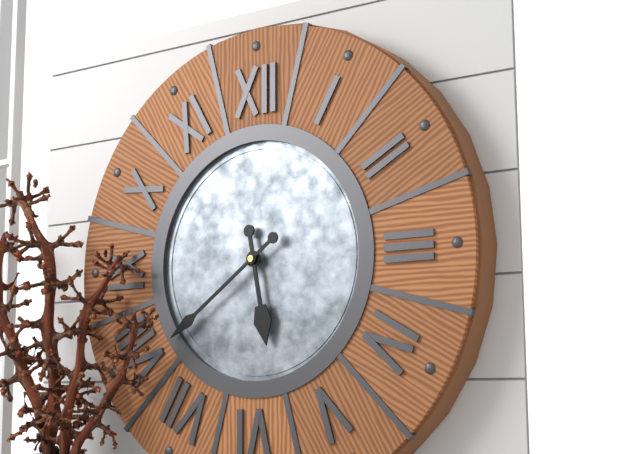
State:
5h39
